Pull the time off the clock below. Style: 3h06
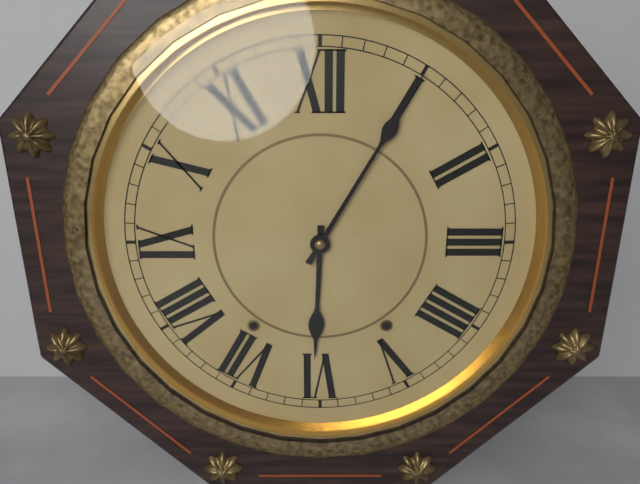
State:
6h05
